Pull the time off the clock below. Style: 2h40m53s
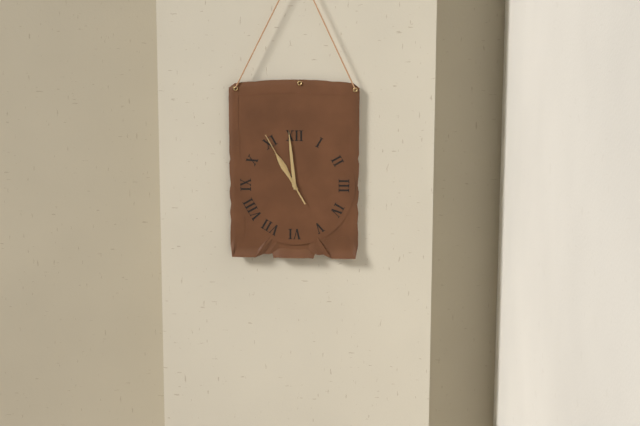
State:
10h59m55s
